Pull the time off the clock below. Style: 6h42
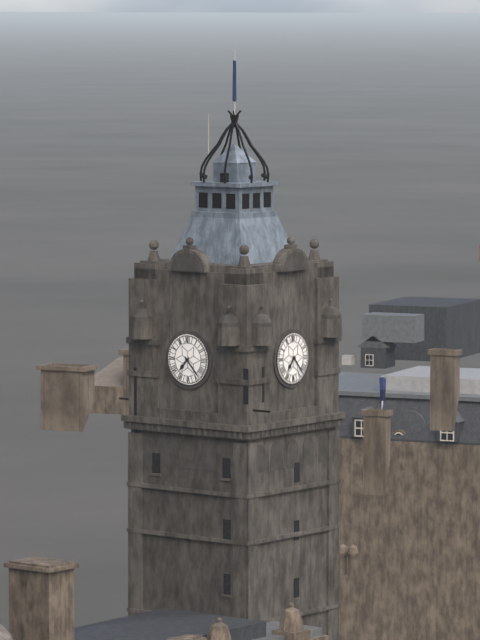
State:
7h23
